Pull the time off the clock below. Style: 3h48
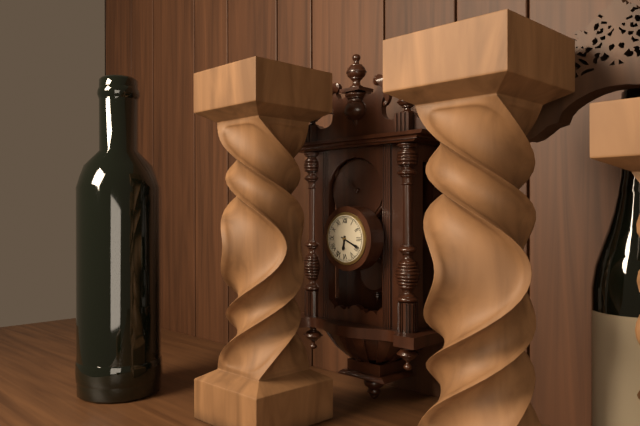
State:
6h19
